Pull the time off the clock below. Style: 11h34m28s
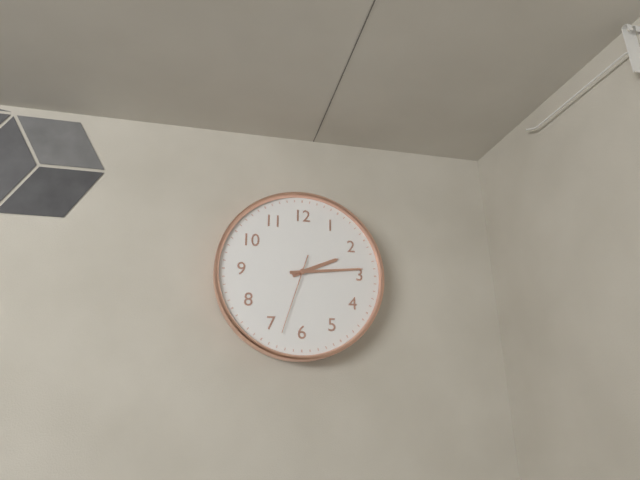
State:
2h14m33s
